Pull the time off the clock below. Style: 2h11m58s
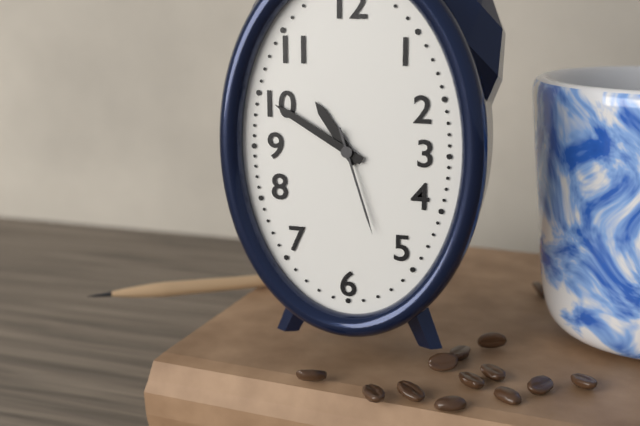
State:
10h50m27s
